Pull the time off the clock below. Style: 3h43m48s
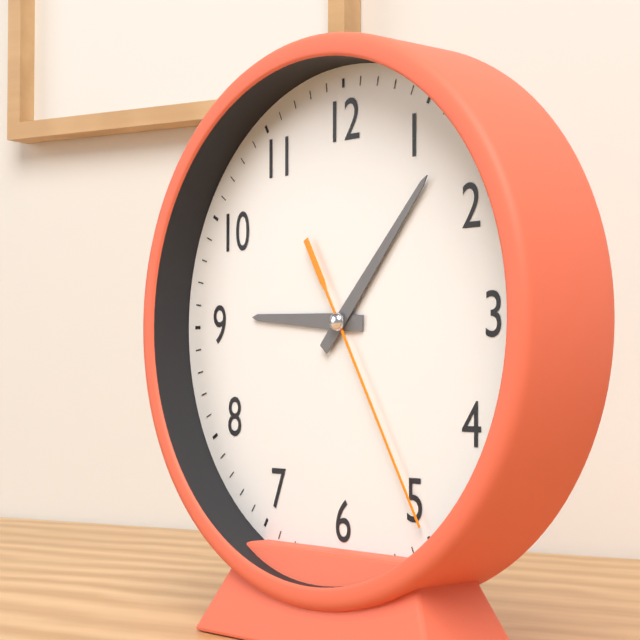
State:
9h07m25s
